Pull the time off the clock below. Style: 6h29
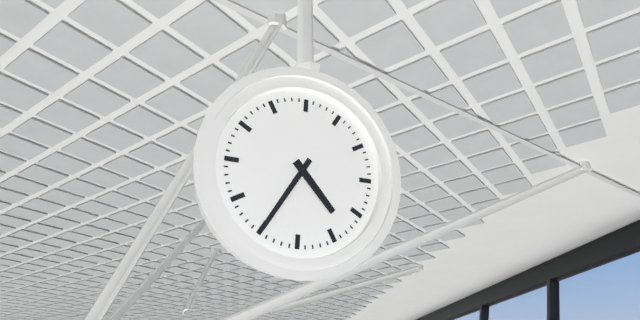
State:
4h35
